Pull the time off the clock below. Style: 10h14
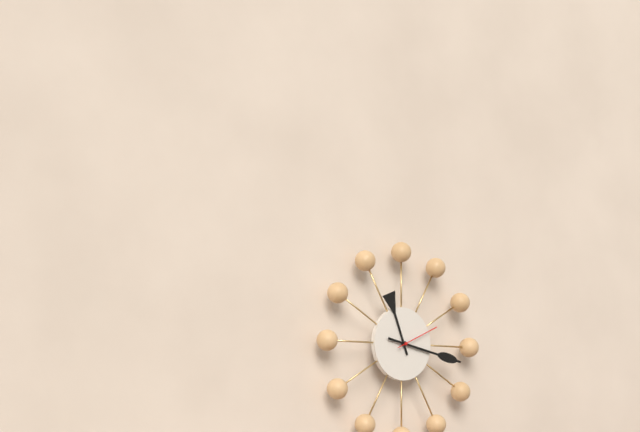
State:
11h17
